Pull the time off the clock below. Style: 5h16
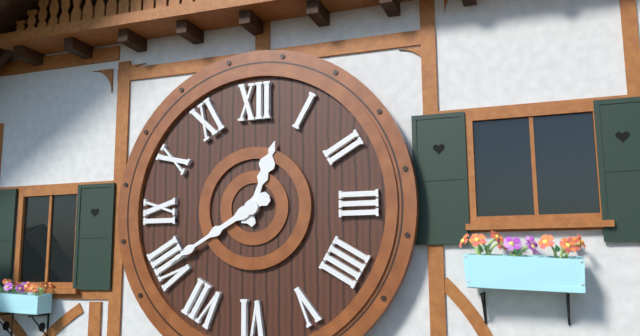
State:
12h40
